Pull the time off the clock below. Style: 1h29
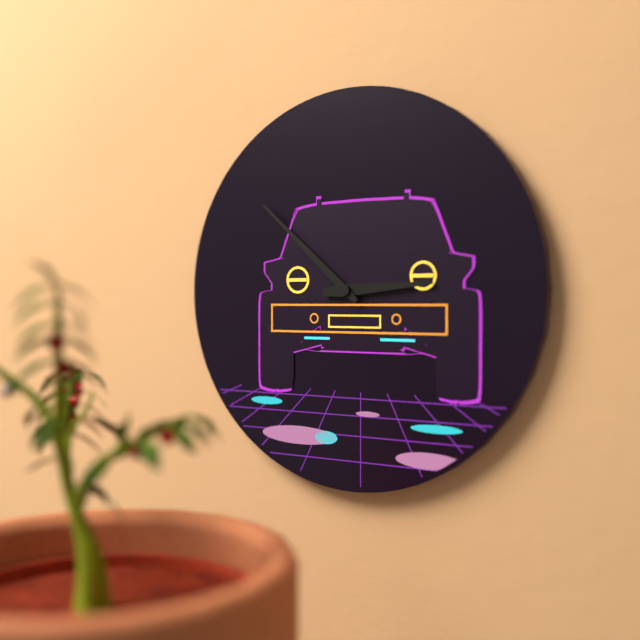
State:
2h52
